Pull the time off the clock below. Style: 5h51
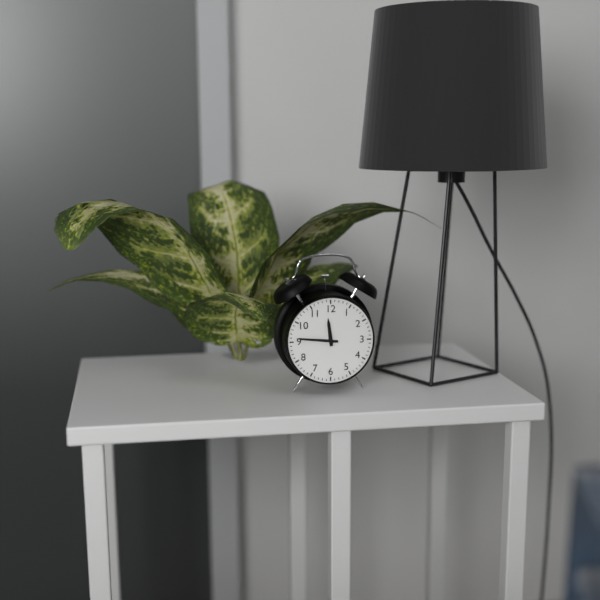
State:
11h46
